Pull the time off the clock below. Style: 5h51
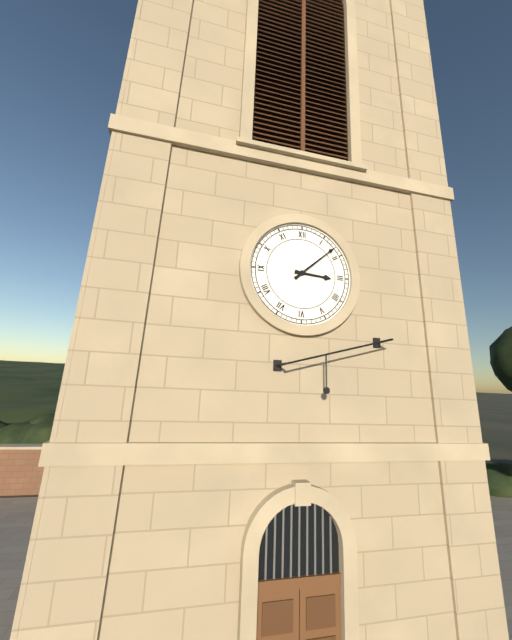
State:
3h08
